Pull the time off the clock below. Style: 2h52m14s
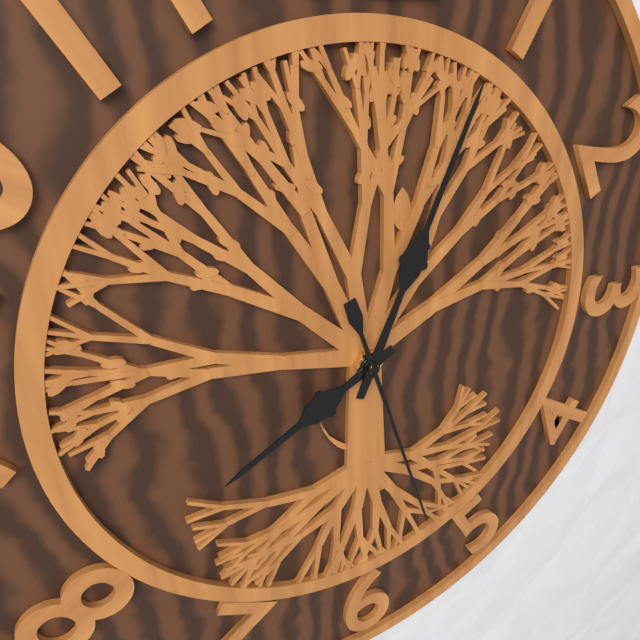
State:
8h04m27s
